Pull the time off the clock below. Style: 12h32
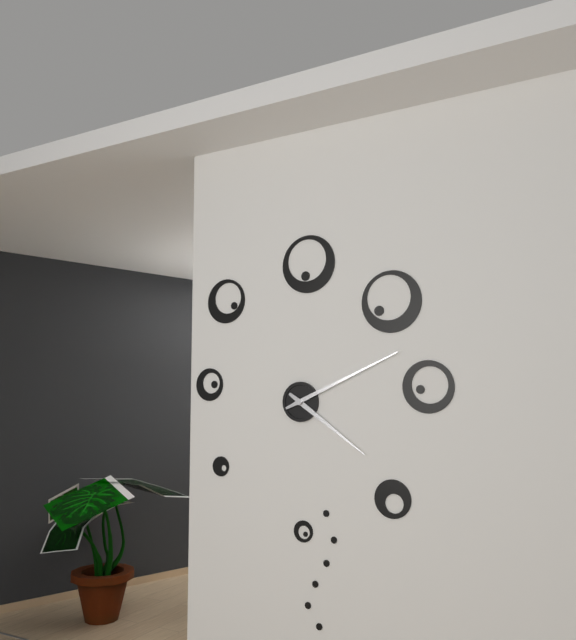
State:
4h11
